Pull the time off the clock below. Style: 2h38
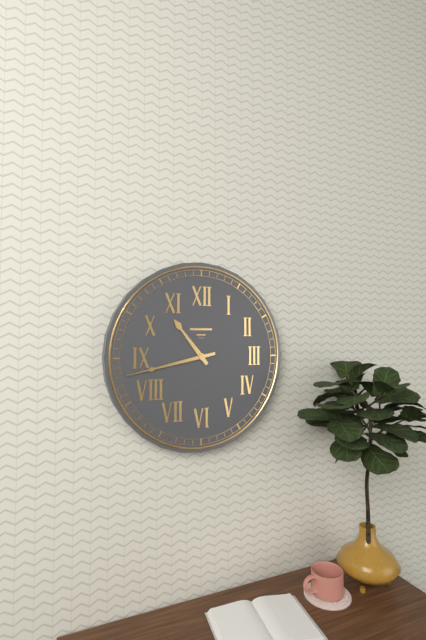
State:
10h43
